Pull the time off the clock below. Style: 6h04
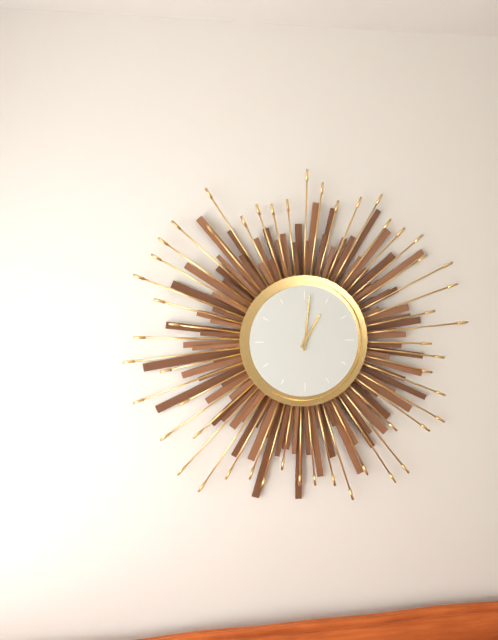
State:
1h01
